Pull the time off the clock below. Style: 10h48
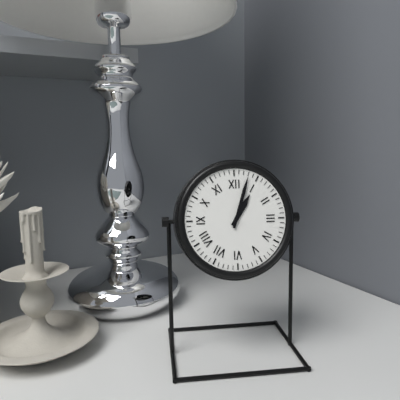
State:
1h03
